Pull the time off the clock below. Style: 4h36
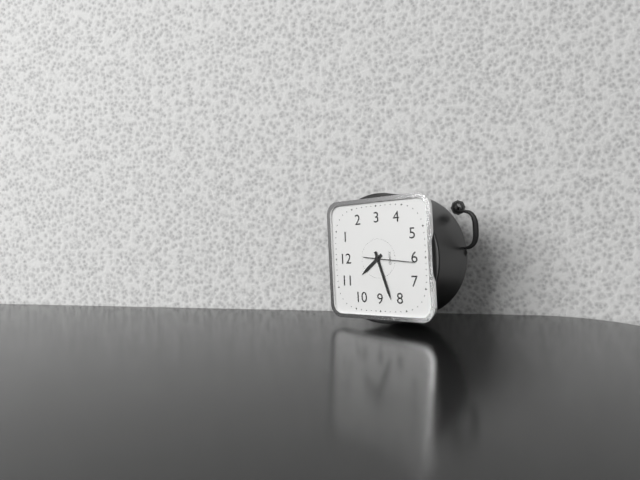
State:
10h42
